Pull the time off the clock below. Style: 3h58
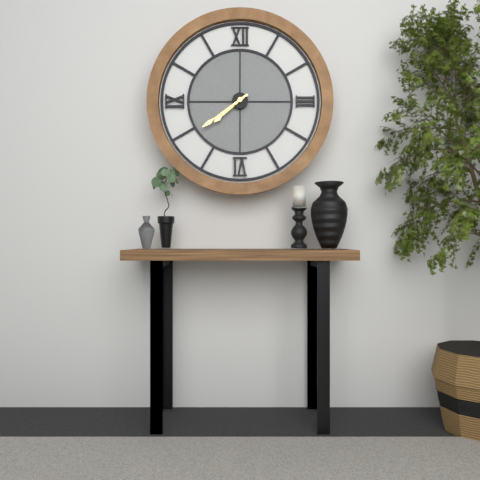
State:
7h39
